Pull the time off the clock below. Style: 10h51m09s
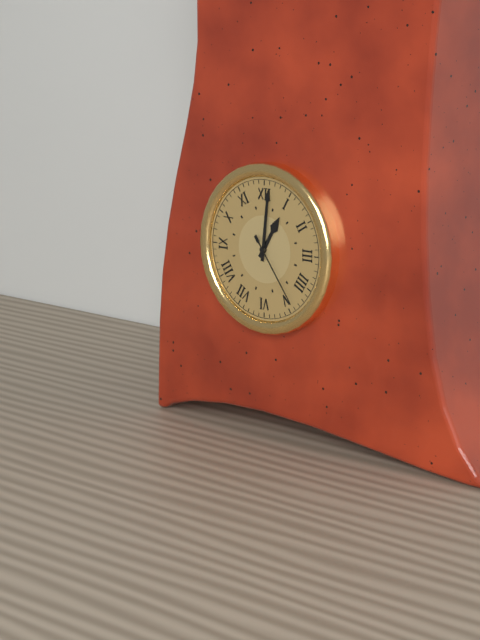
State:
1h01m24s
